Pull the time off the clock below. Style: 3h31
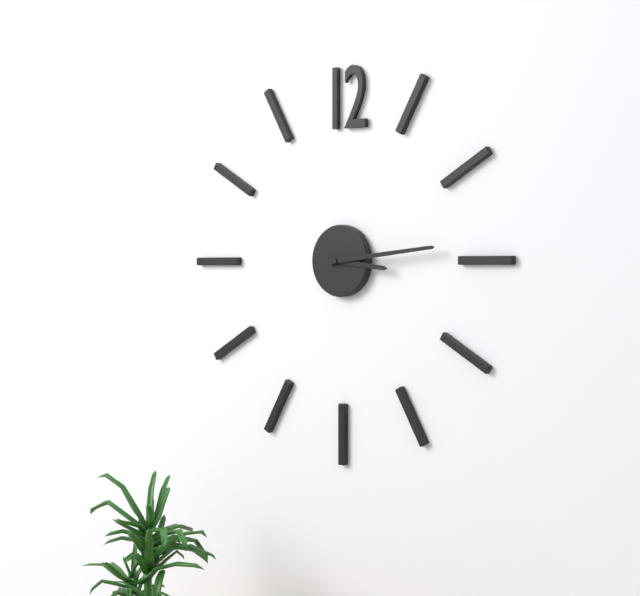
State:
3h14
